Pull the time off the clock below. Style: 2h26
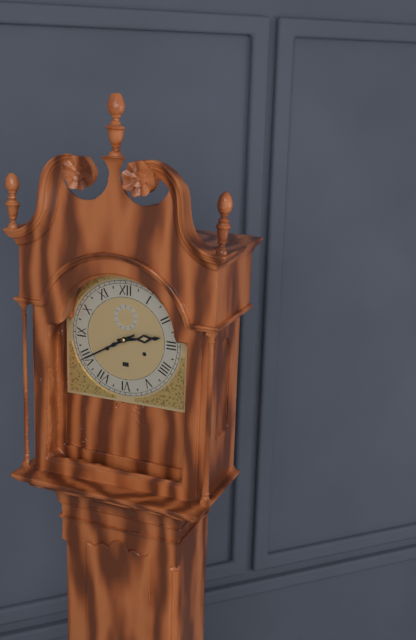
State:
2h40
